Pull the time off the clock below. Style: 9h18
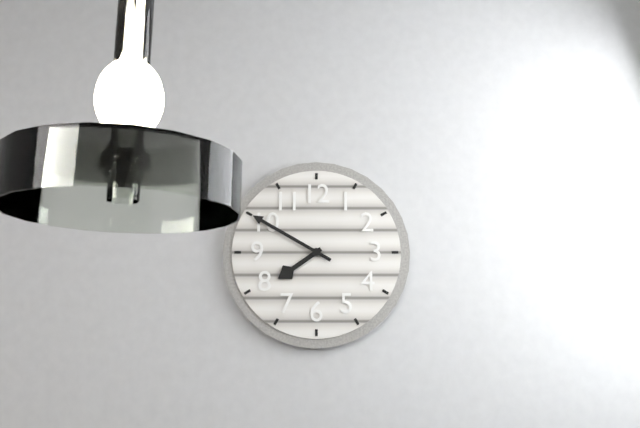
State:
7h50
